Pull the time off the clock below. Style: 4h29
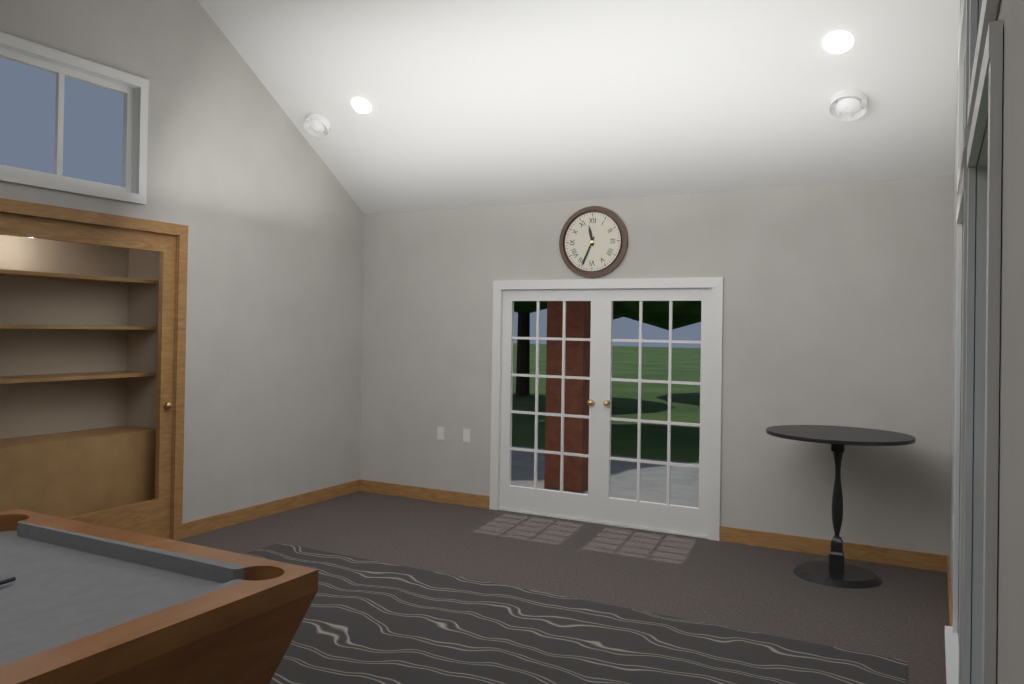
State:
11h34
